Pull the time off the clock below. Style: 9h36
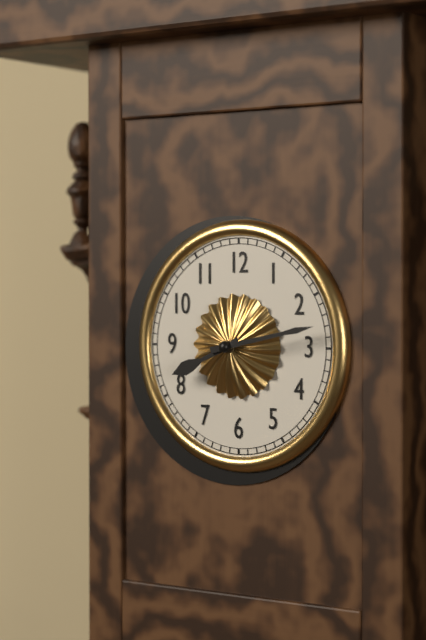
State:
8h13
